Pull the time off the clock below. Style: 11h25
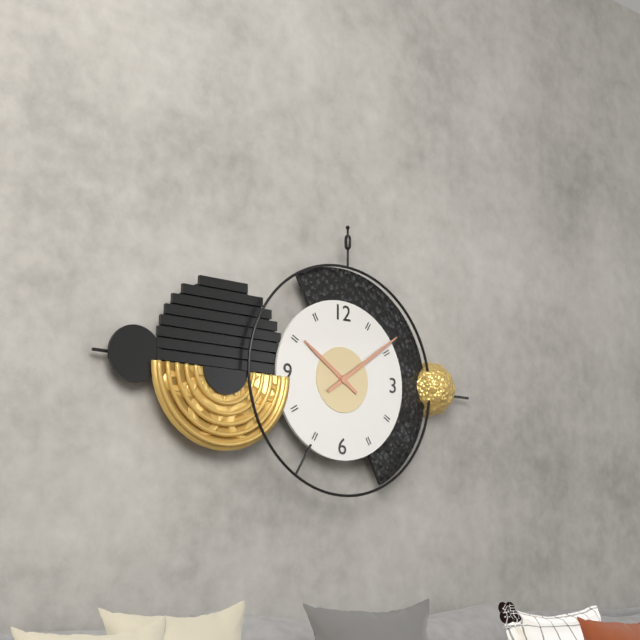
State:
10h09
